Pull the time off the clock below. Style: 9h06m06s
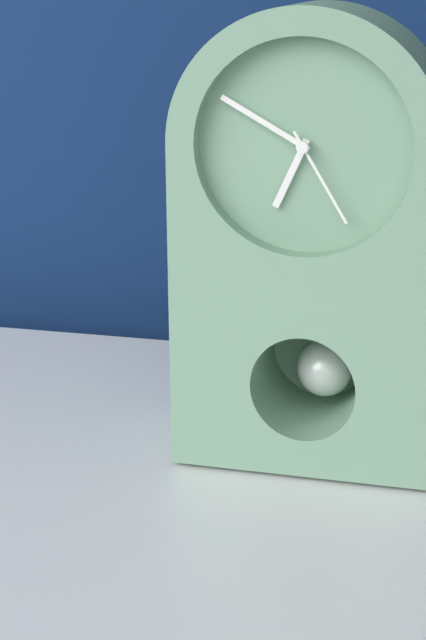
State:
6h50m25s
